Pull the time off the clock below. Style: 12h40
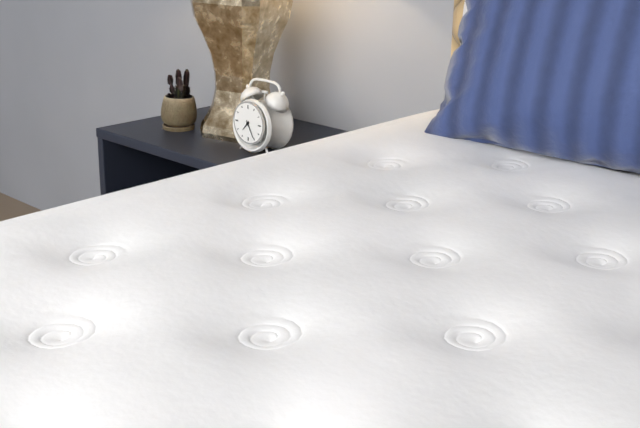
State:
7h25
